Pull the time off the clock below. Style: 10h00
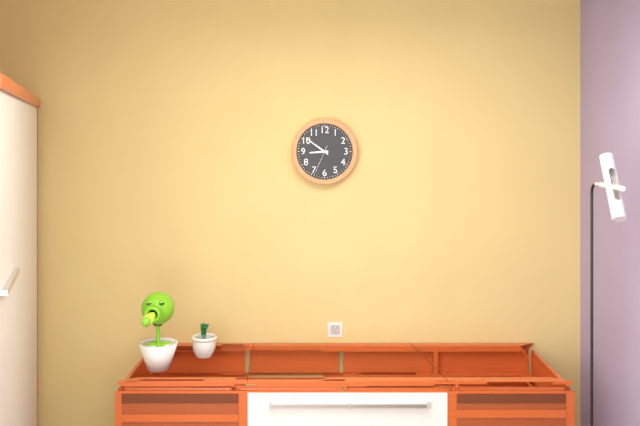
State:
8h51
